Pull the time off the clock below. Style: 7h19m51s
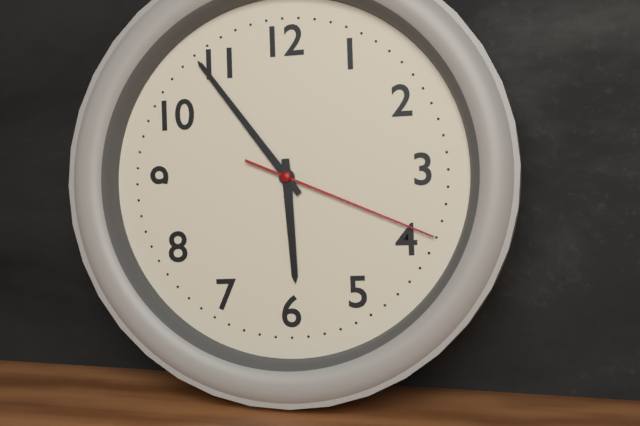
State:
5h54m19s
